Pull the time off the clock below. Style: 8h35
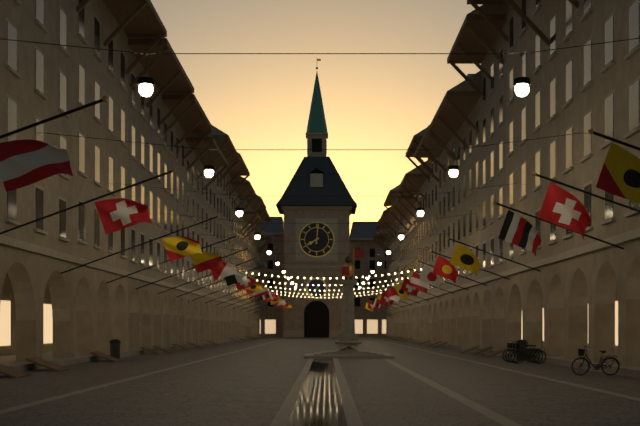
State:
8h01
